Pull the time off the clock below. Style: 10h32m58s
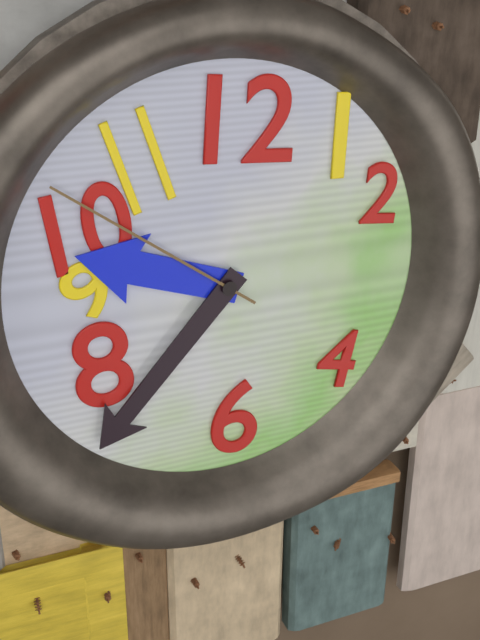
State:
9h37m51s
